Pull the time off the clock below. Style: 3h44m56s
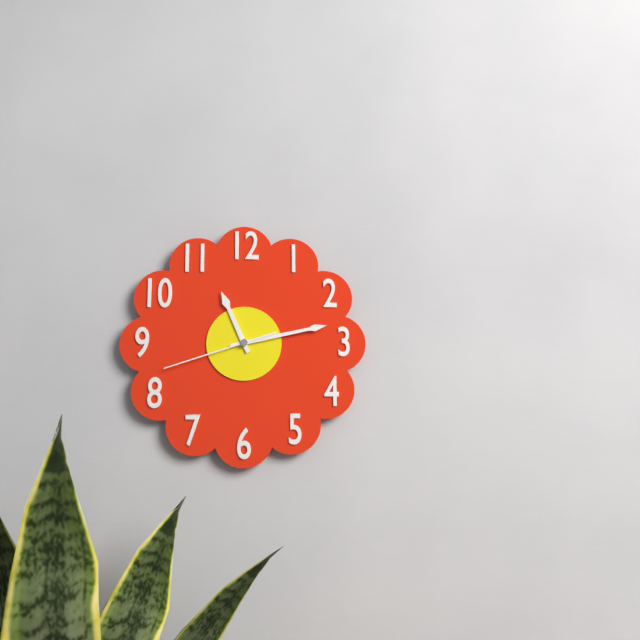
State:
11h13m42s
